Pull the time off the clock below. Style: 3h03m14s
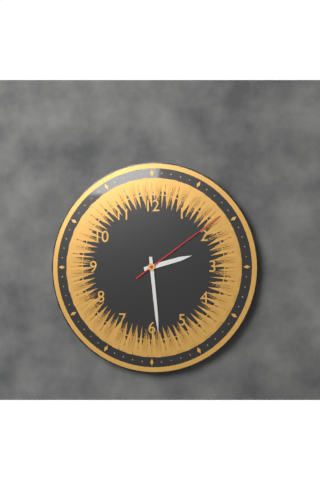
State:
2h29m09s
